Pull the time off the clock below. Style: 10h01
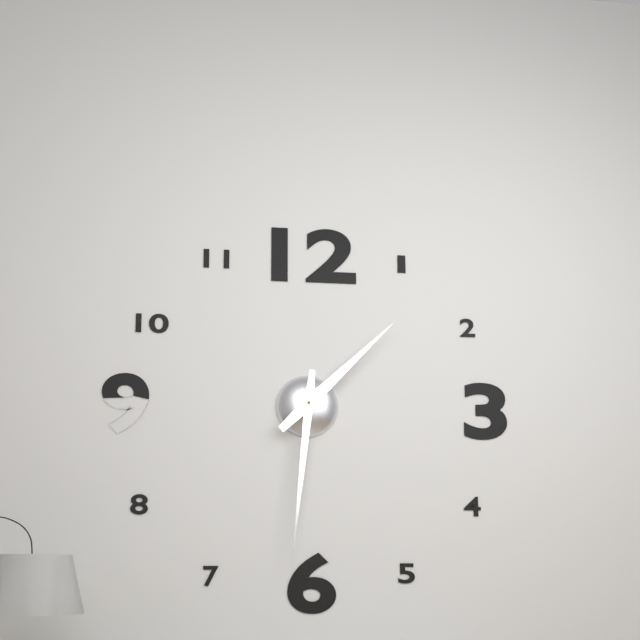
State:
1h31
